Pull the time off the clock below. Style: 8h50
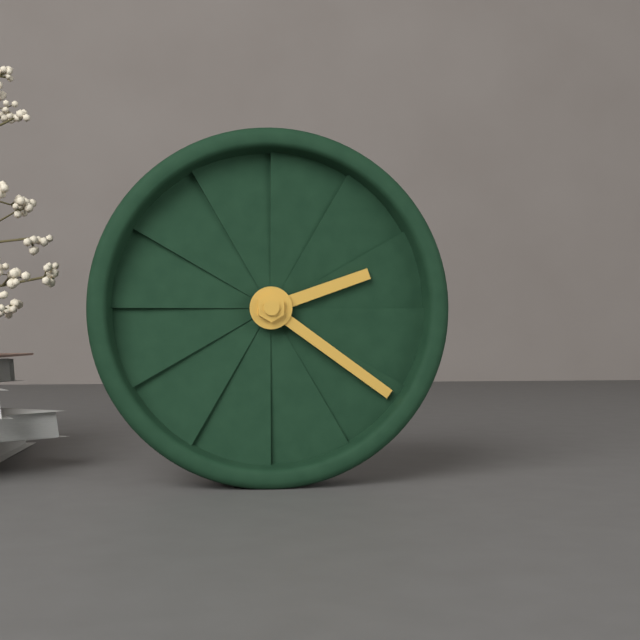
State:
2h21
